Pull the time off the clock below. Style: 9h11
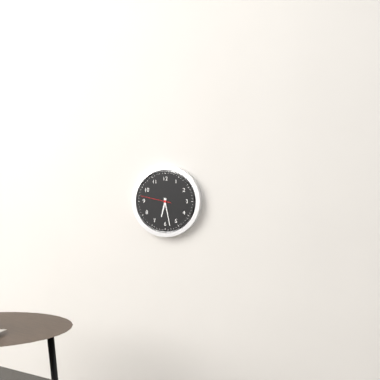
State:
6h28
